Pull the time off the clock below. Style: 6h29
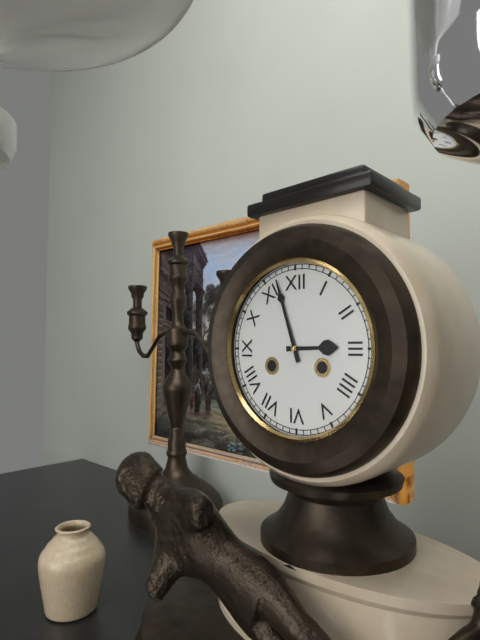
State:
2h57
